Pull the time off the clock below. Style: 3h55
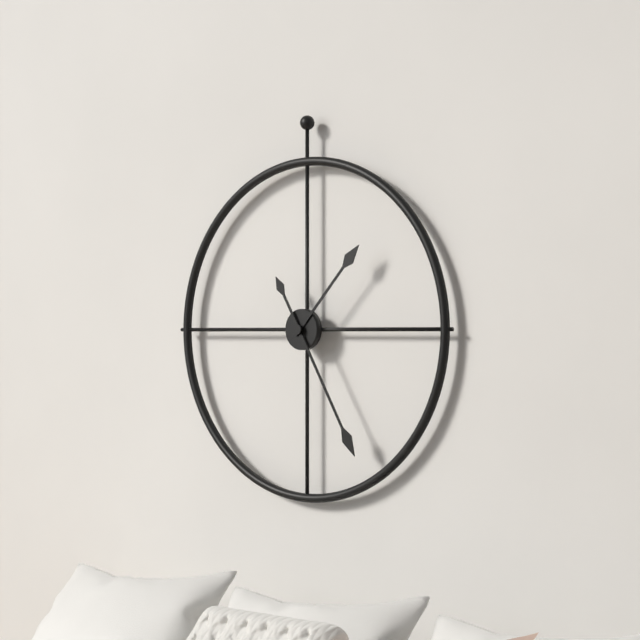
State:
1h25
